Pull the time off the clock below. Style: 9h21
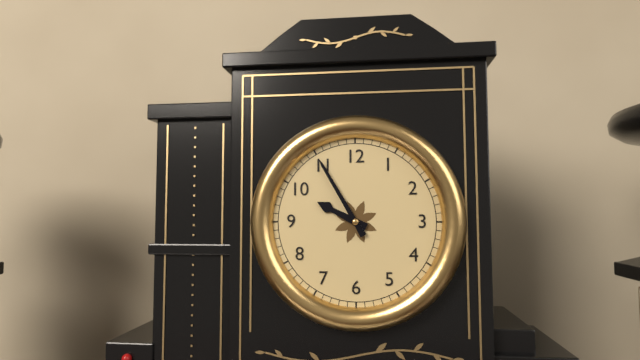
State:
9h55
